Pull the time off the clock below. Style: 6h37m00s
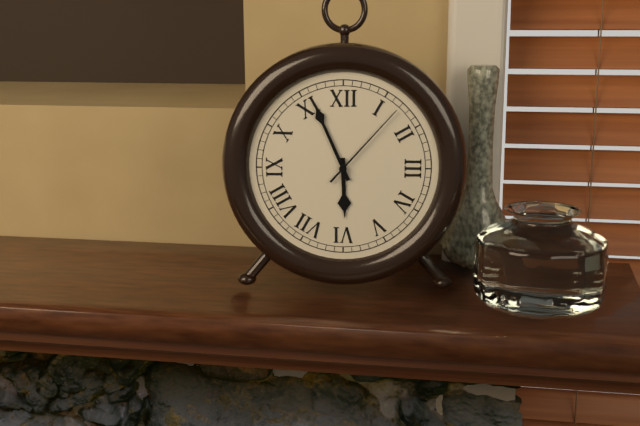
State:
5h56m07s
